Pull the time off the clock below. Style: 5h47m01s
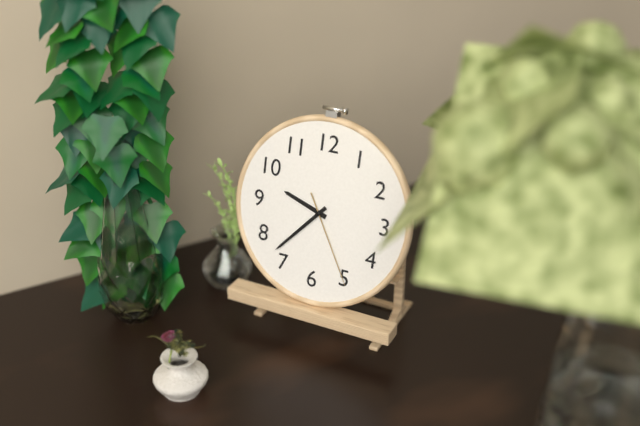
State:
9h37m25s
